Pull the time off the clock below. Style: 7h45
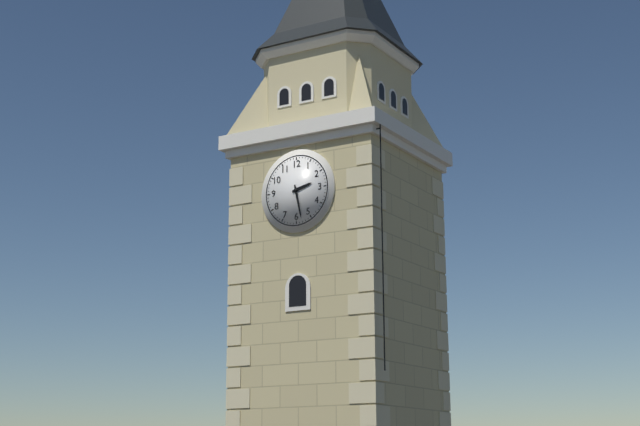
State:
2h28
